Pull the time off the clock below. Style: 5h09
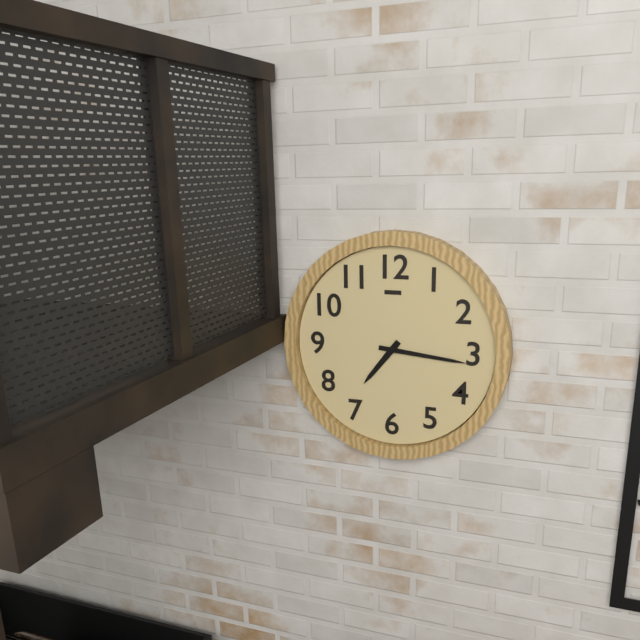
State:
7h16
